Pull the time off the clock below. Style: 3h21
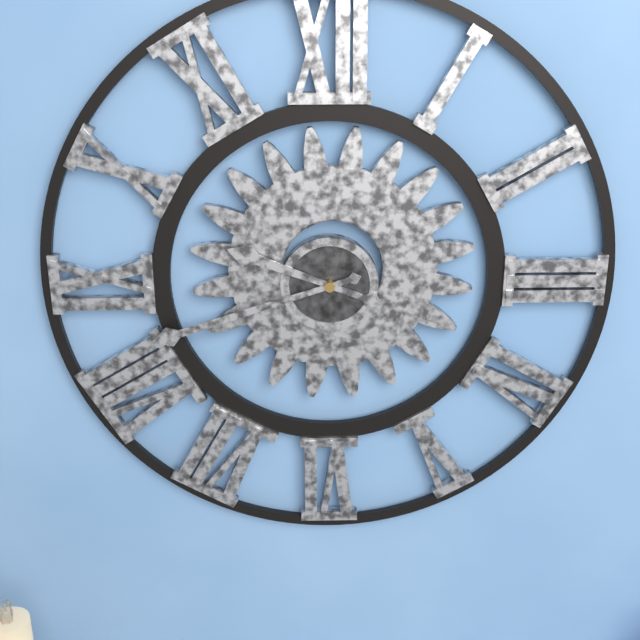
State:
9h42
